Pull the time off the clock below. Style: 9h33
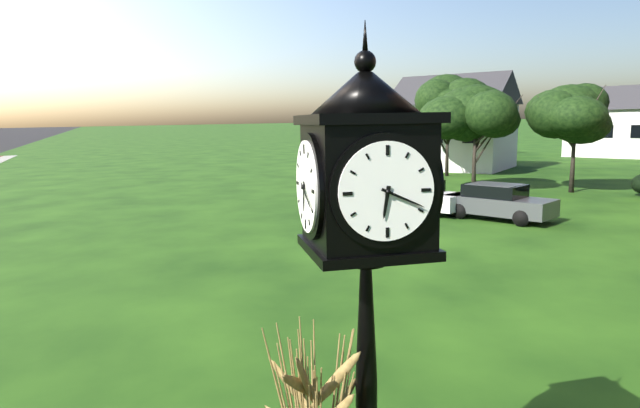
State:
6h19
